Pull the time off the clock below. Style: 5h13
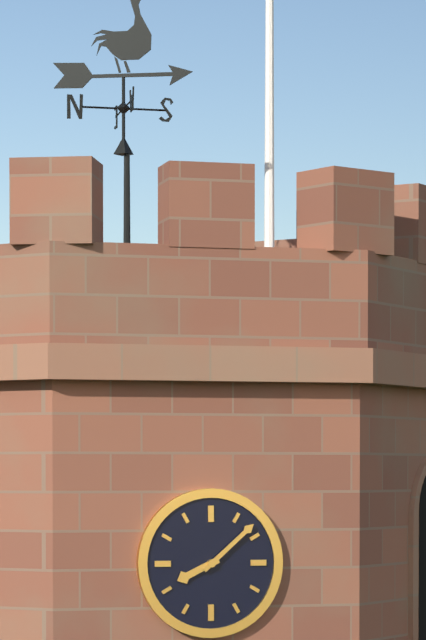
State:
8h08
